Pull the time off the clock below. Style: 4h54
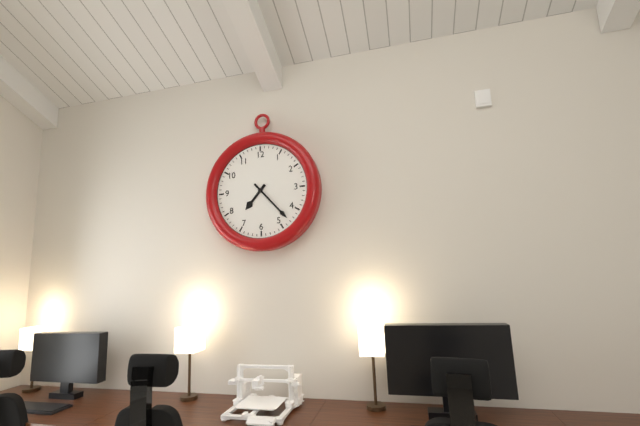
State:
7h23
